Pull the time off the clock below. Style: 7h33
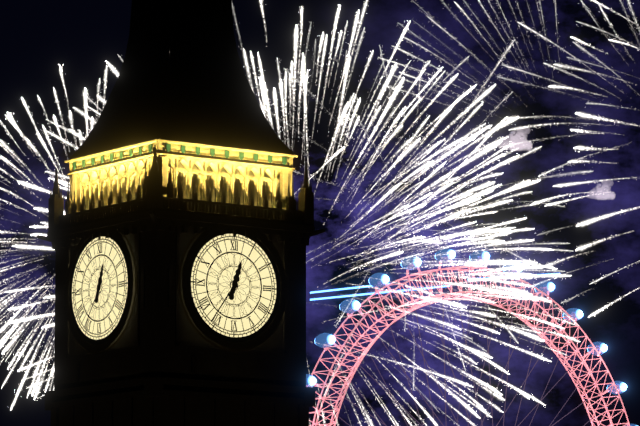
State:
12h36
